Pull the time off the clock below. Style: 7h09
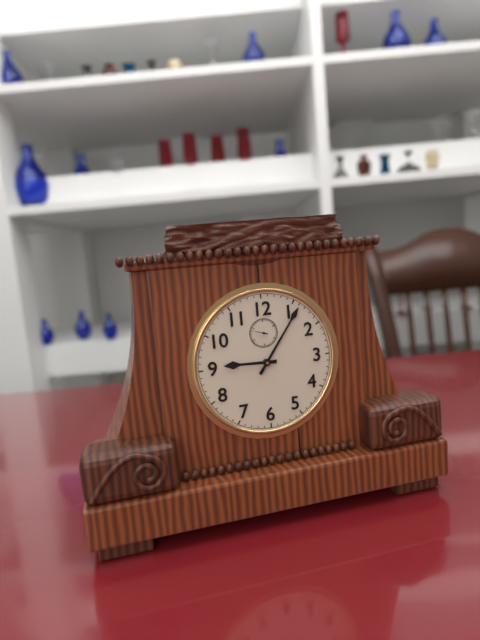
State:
9h06
